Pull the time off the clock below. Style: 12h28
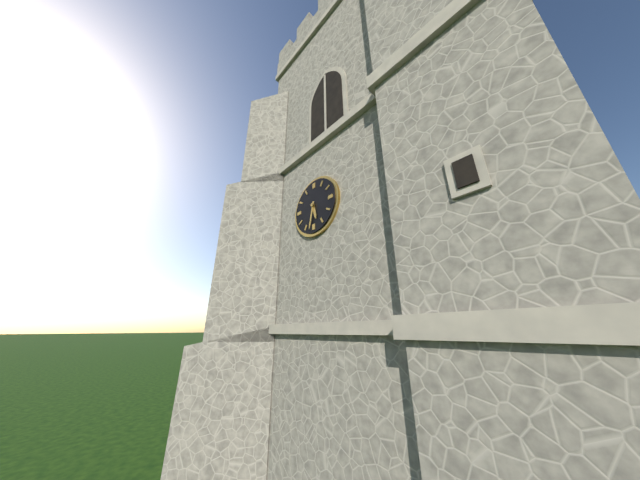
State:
5h32
